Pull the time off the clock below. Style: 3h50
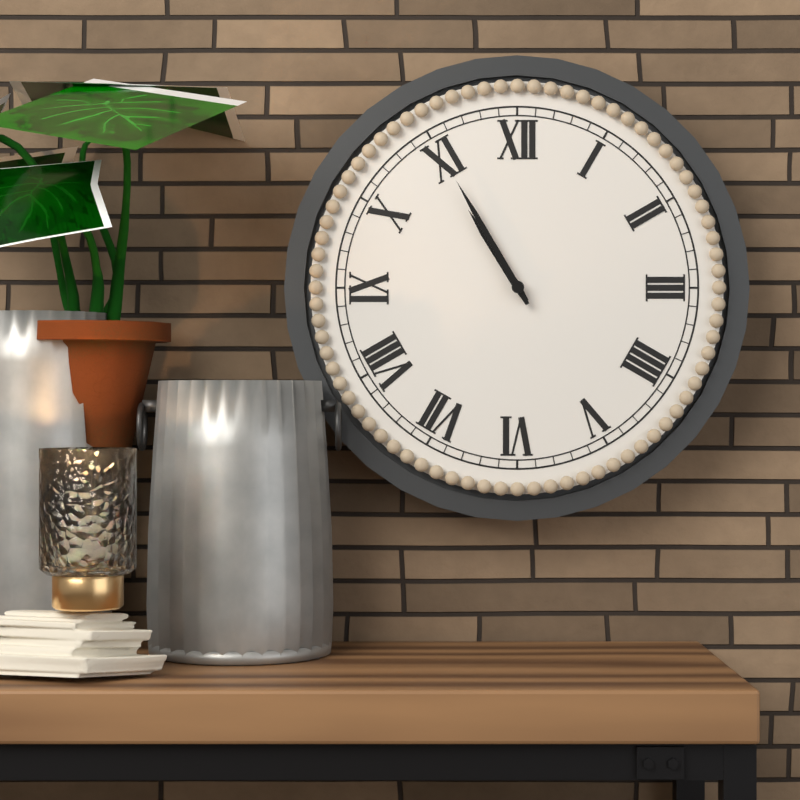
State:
10h55
